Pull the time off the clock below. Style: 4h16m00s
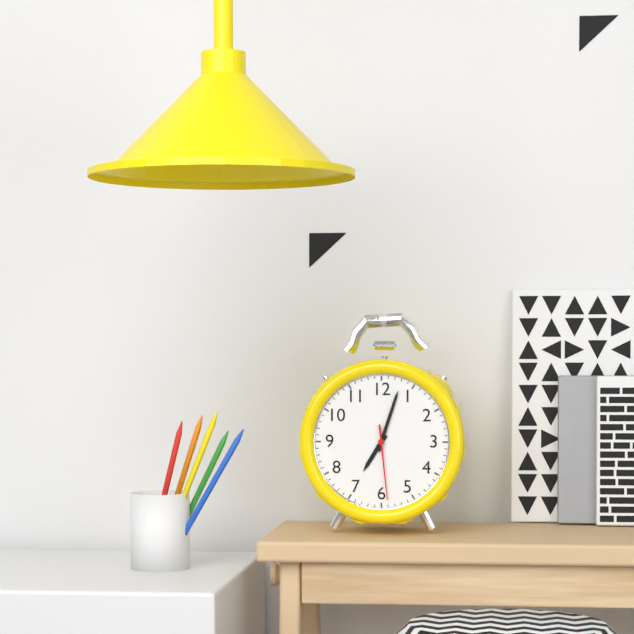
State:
7h03m29s
